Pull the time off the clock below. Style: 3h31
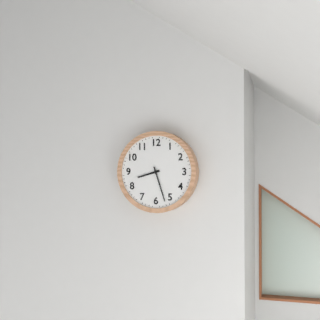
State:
8h27
